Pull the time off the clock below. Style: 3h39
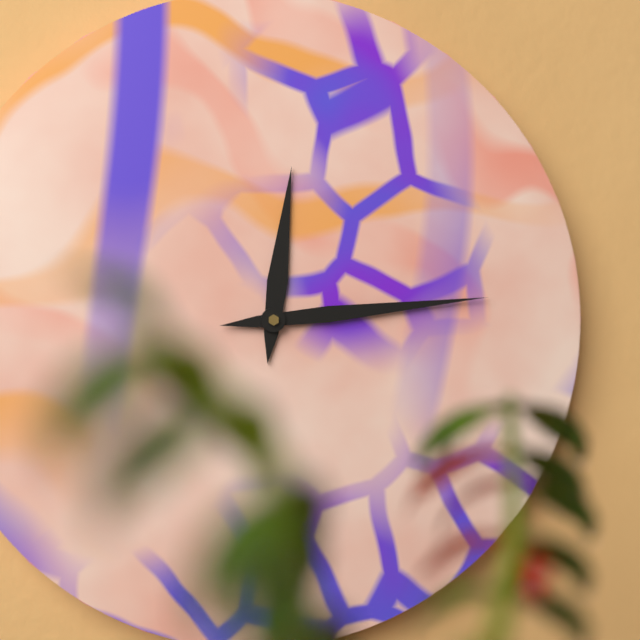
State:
12h14
